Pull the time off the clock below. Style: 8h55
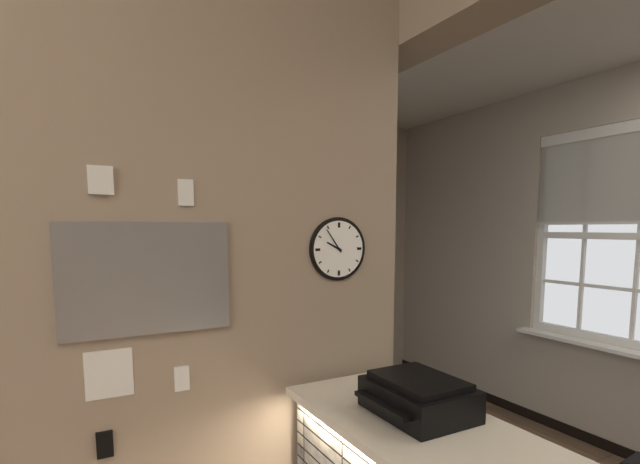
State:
9h54
